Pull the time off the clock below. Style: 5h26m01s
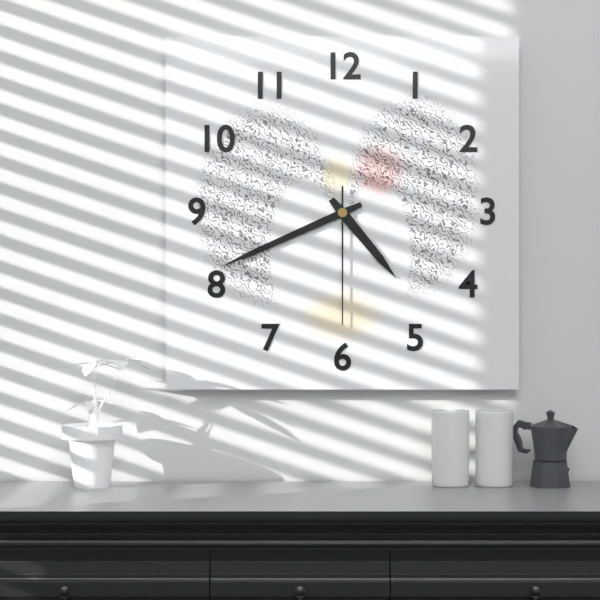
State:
4h41m30s
